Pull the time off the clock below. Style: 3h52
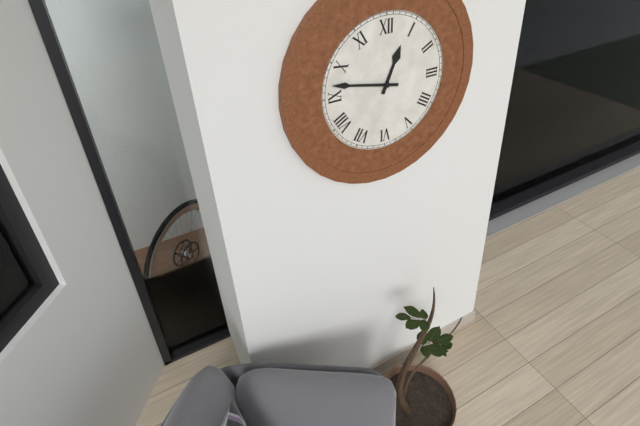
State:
12h47
